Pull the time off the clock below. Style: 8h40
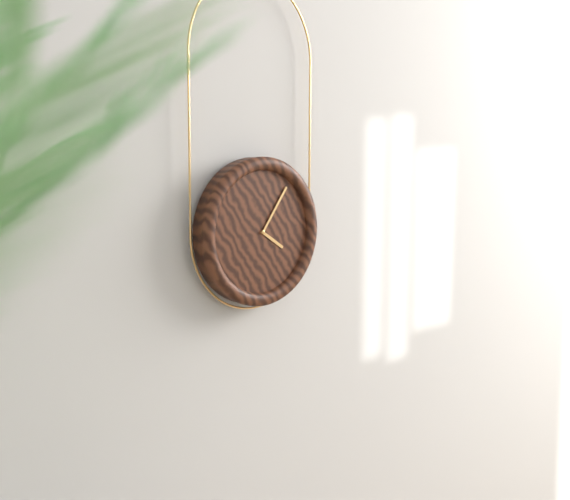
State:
4h06
